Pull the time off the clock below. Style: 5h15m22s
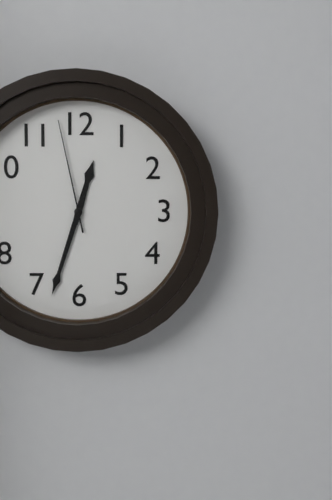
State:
12h33m58s
